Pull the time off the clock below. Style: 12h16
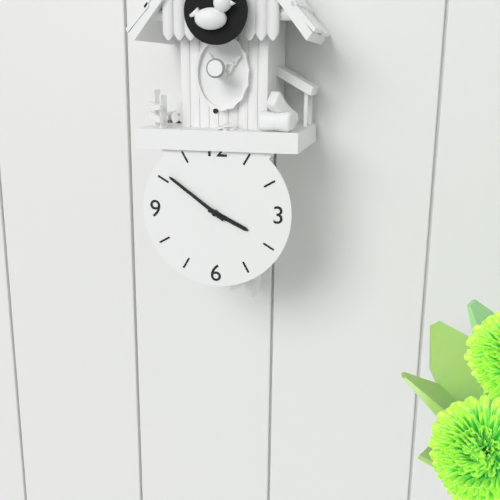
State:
3h51
